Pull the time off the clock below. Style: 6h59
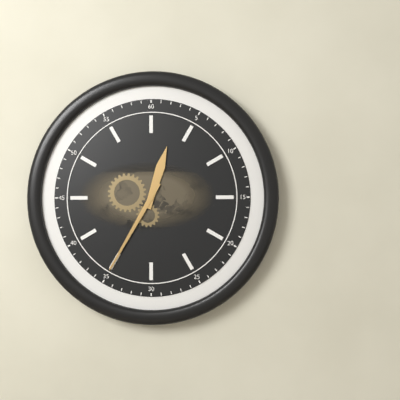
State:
12h35
